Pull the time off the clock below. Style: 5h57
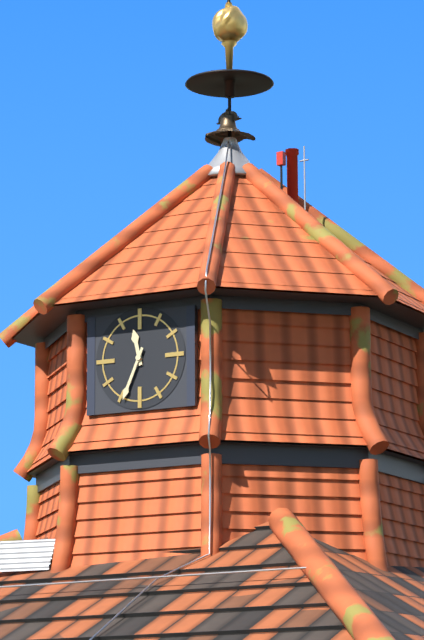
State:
11h34
